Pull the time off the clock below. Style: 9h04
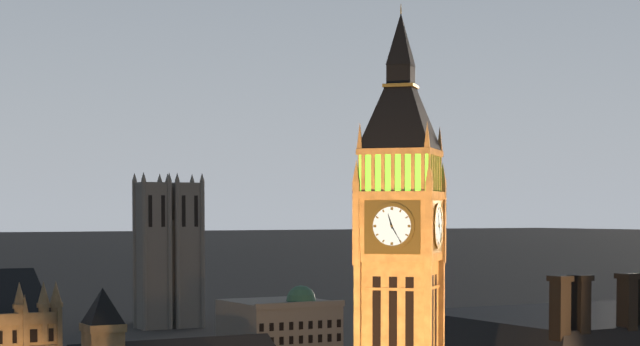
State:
11h25
